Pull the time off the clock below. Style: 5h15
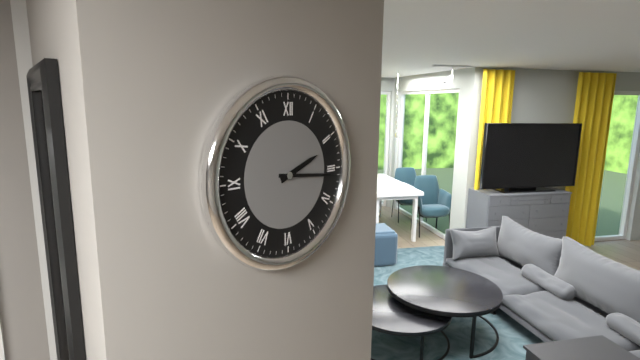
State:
2h16
